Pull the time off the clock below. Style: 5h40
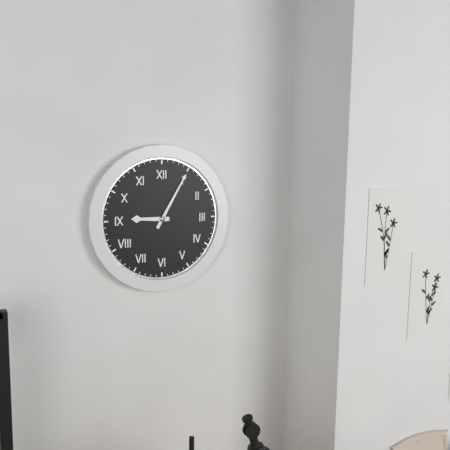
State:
9h05
